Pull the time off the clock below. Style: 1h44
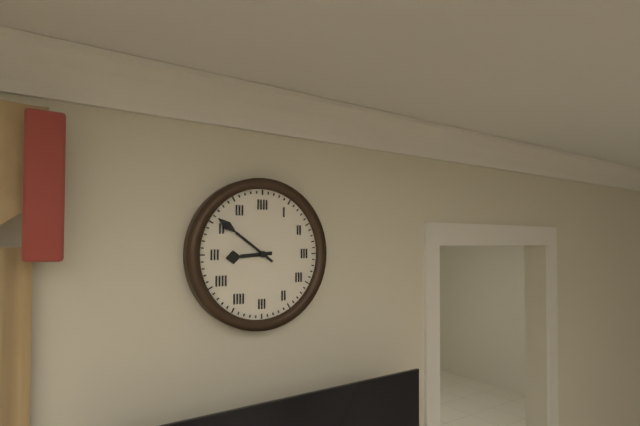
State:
8h51
